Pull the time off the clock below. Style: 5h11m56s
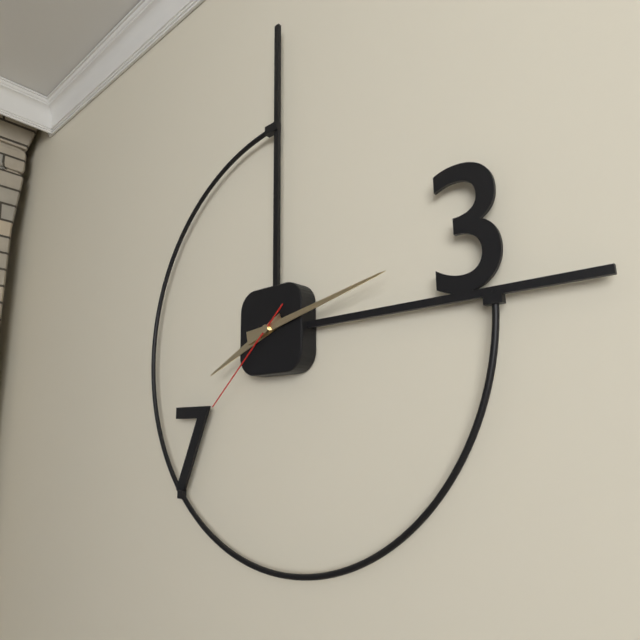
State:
8h13m38s
